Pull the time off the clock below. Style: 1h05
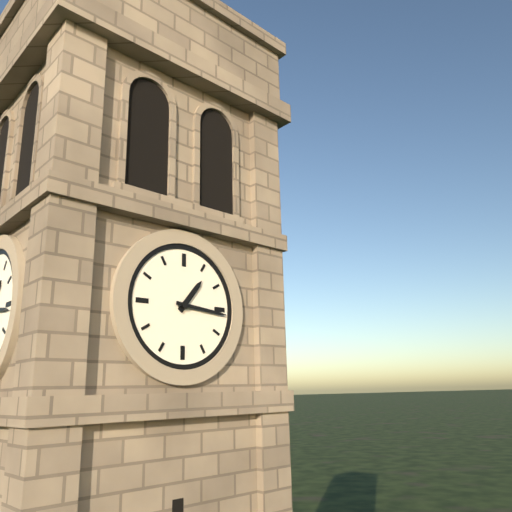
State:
1h16
